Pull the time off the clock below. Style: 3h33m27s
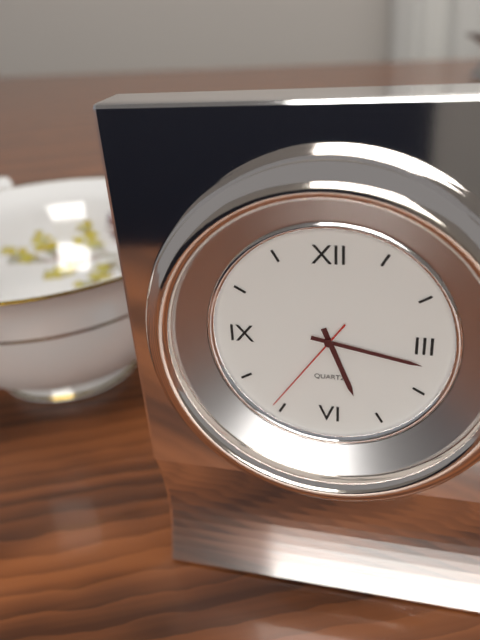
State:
5h17m36s
